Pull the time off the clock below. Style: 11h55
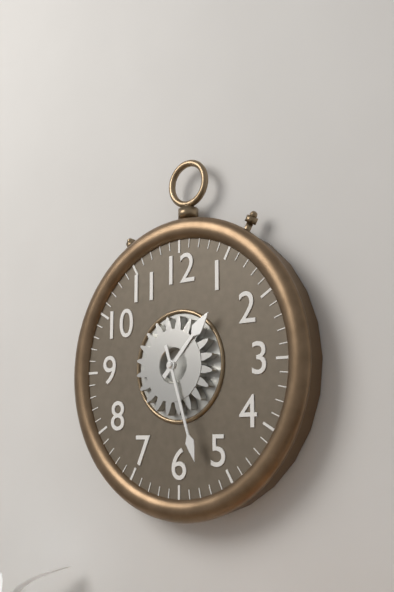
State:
1h27
